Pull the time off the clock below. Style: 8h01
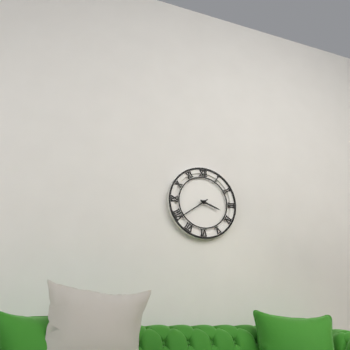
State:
3h39
